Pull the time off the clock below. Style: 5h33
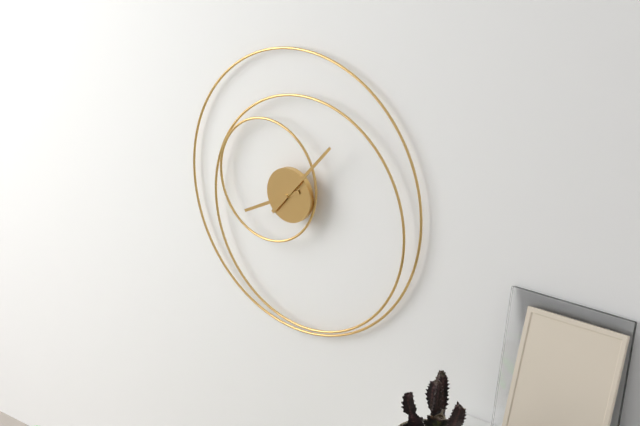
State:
8h07
